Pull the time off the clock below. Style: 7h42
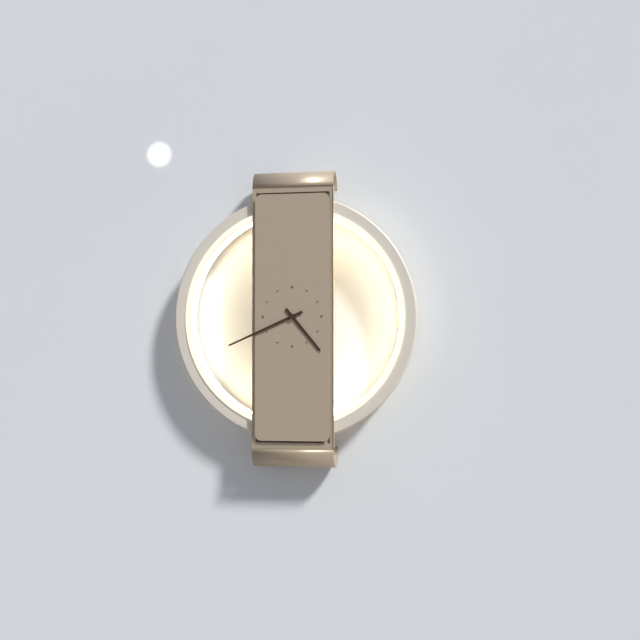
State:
4h41
